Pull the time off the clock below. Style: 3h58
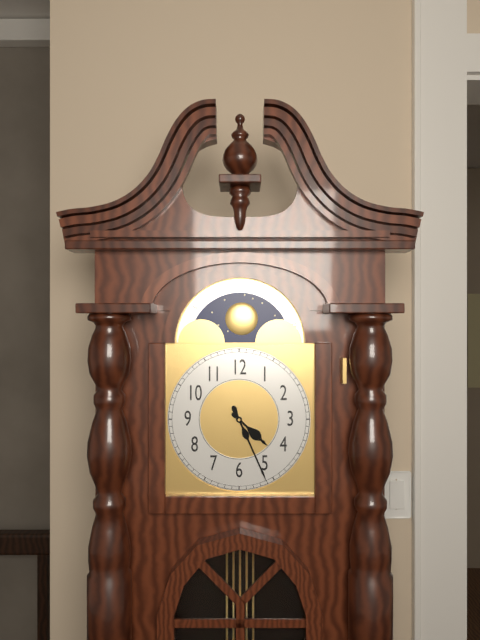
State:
4h26
